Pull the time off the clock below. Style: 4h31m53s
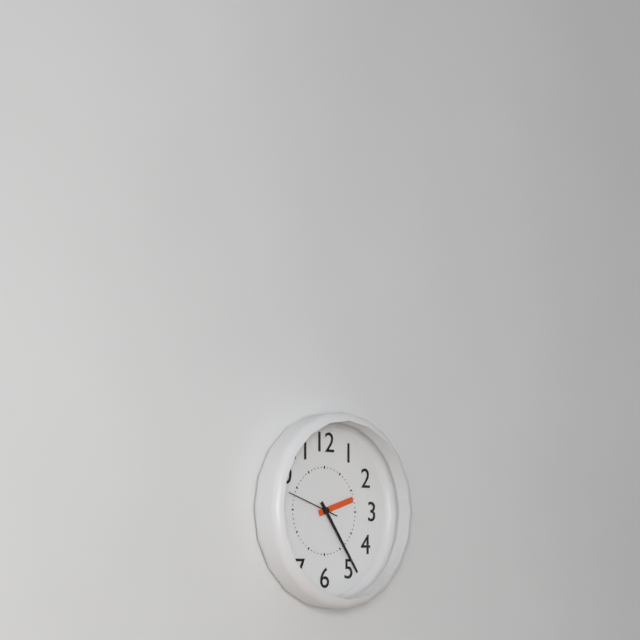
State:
2h24m48s
